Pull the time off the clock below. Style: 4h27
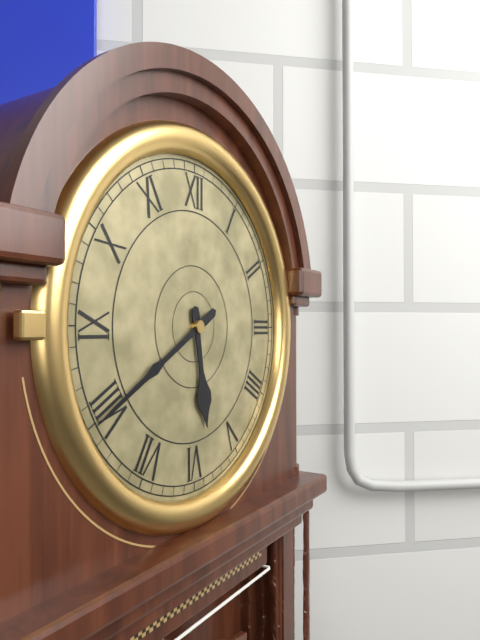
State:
5h40
